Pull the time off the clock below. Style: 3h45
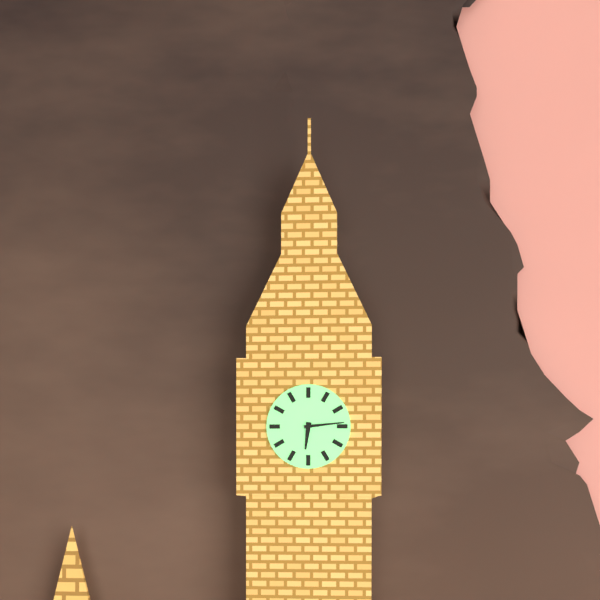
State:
6h14
